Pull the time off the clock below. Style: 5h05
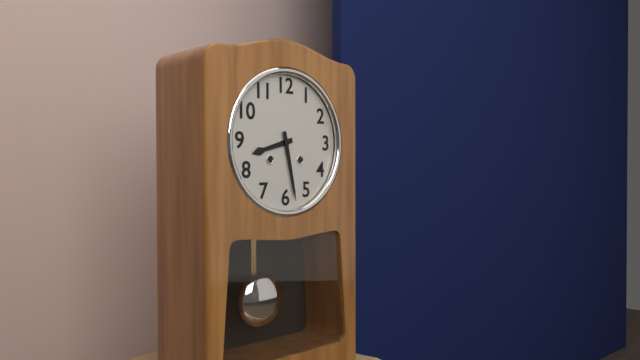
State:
8h28
